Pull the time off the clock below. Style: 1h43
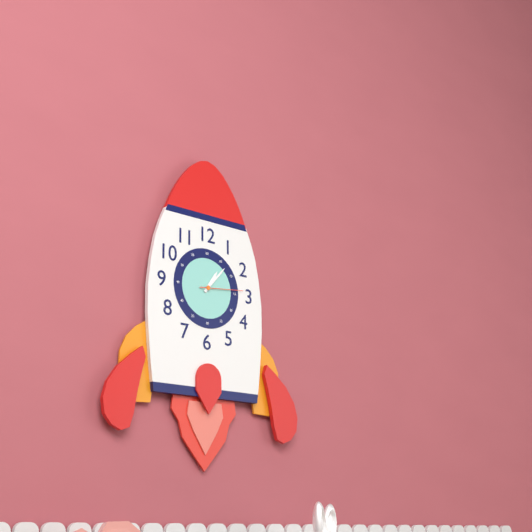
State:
1h07
